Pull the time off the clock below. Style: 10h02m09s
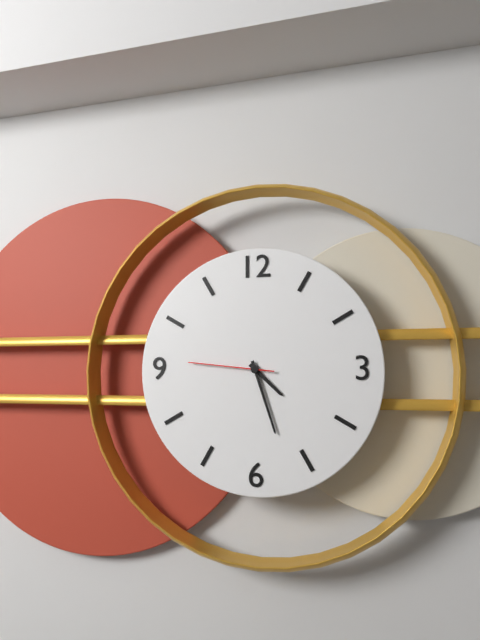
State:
4h27m46s
